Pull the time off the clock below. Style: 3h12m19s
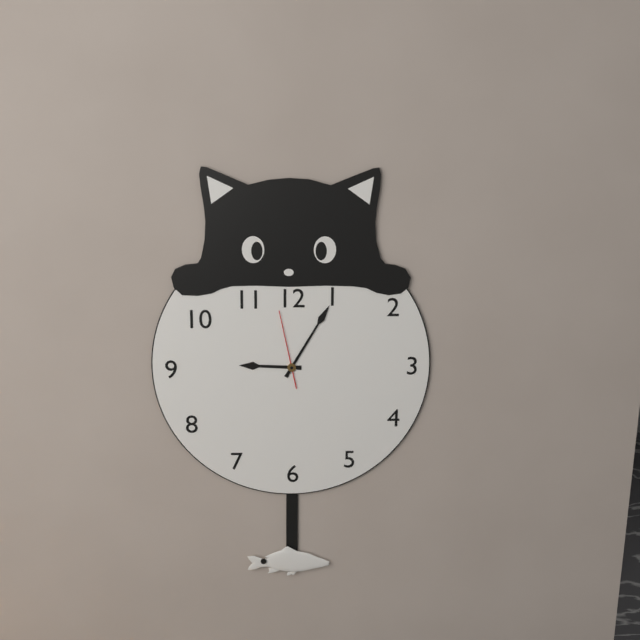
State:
9h05m58s
